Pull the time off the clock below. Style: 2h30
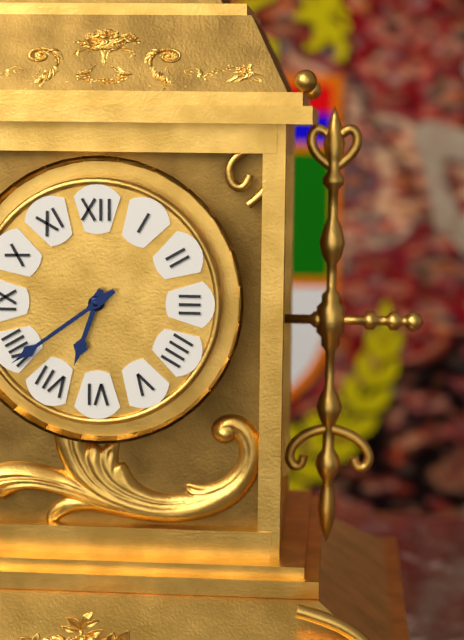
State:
6h39
